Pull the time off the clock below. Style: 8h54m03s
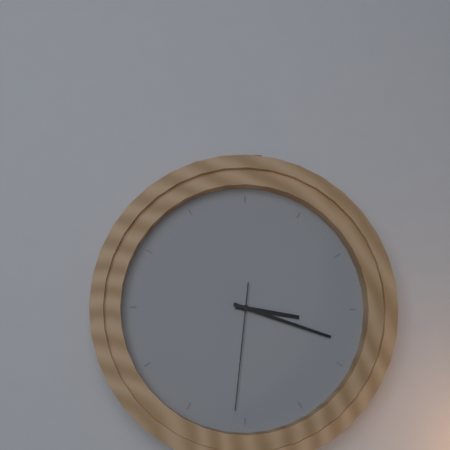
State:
3h18m31s
